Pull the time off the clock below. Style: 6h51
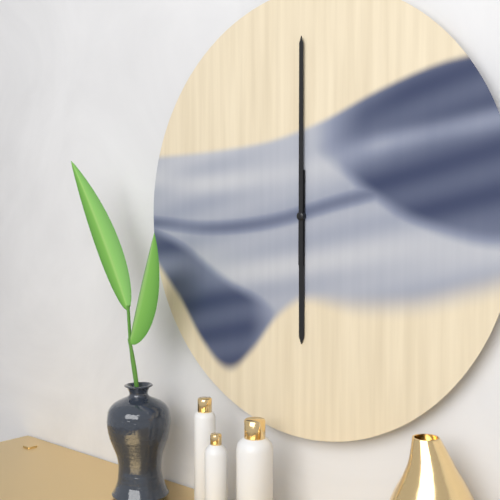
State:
6h00
